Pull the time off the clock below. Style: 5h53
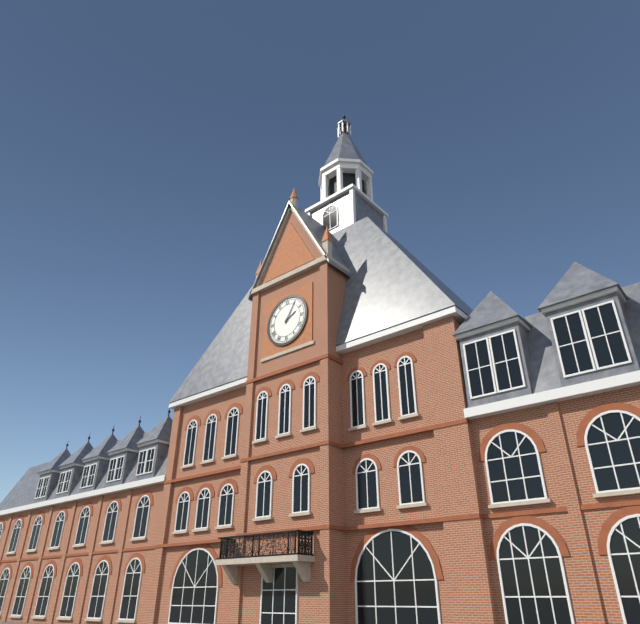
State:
2h05
